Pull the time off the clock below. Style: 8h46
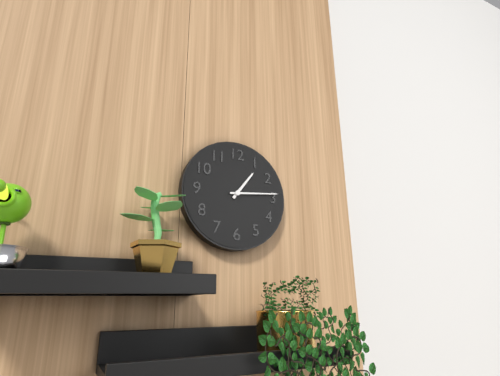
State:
1h14
